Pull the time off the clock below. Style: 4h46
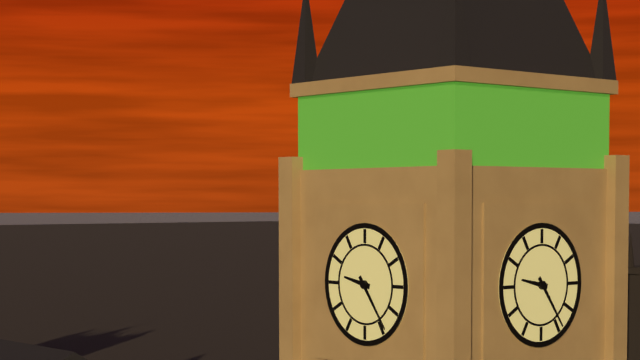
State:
9h24
